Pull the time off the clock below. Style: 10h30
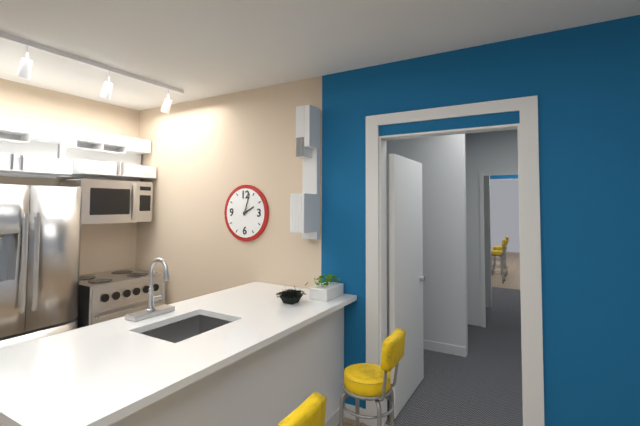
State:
2h03
